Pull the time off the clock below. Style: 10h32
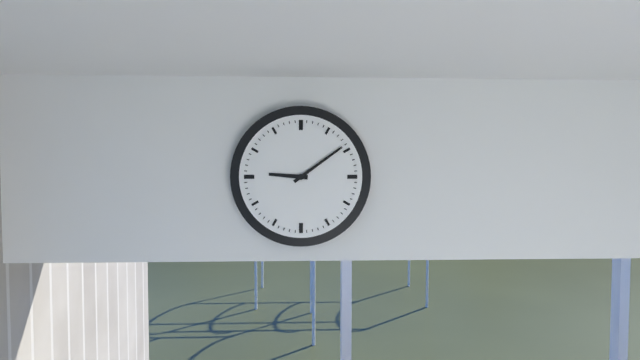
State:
9h09
